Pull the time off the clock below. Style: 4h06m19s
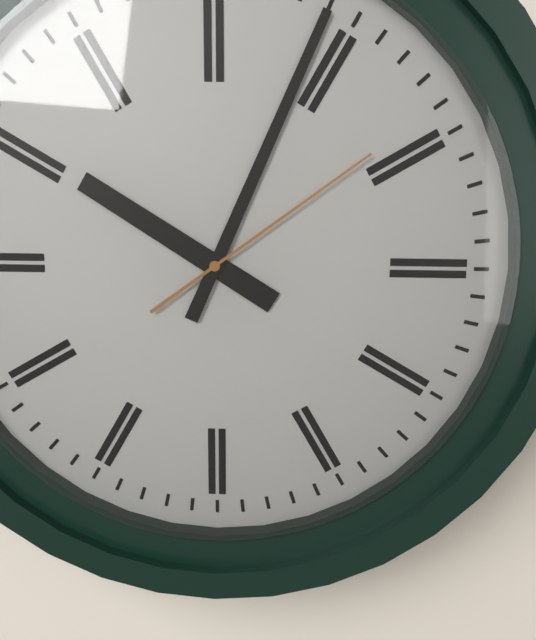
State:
10h04m09s
